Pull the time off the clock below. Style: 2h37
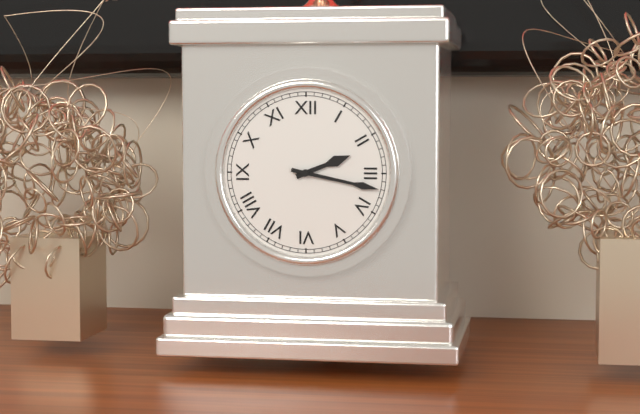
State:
2h17
